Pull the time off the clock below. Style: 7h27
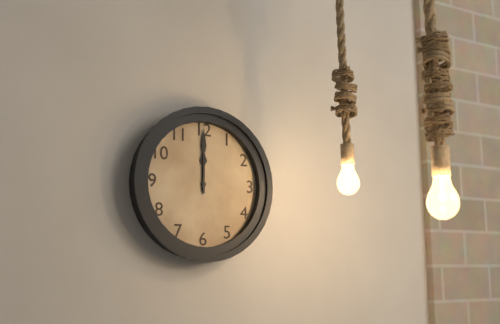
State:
12h00
